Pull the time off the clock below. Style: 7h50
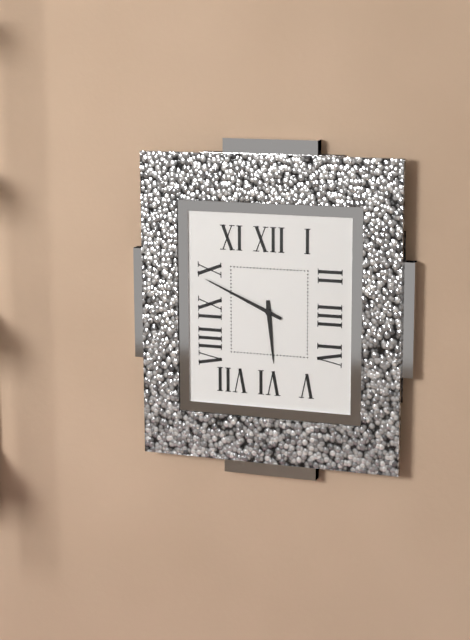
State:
5h49
